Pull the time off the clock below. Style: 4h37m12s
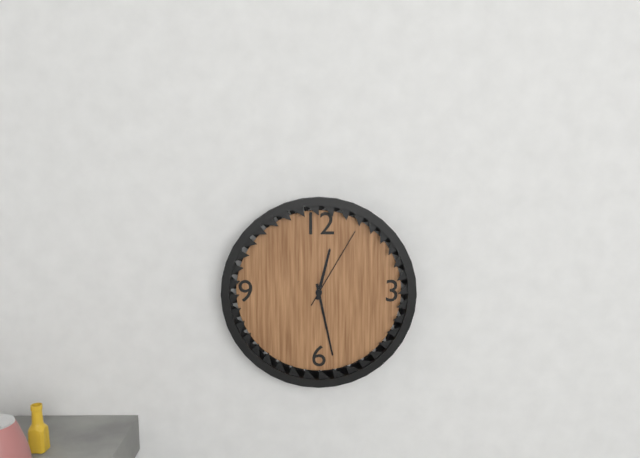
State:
12h28m05s
